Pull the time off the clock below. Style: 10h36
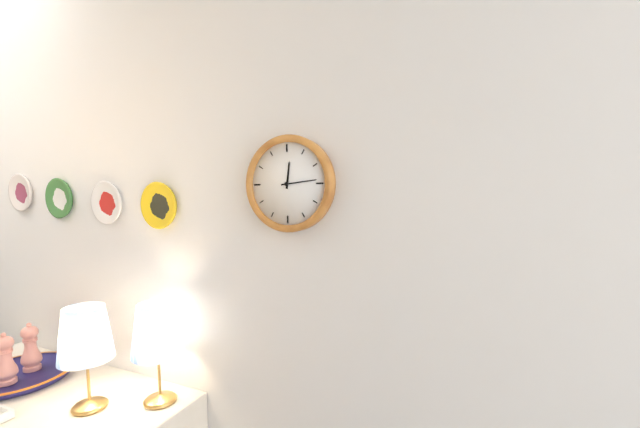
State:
12h14
